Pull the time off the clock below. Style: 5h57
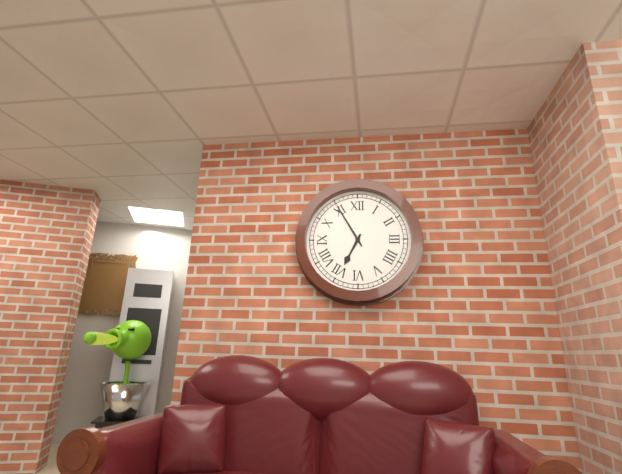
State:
6h55
